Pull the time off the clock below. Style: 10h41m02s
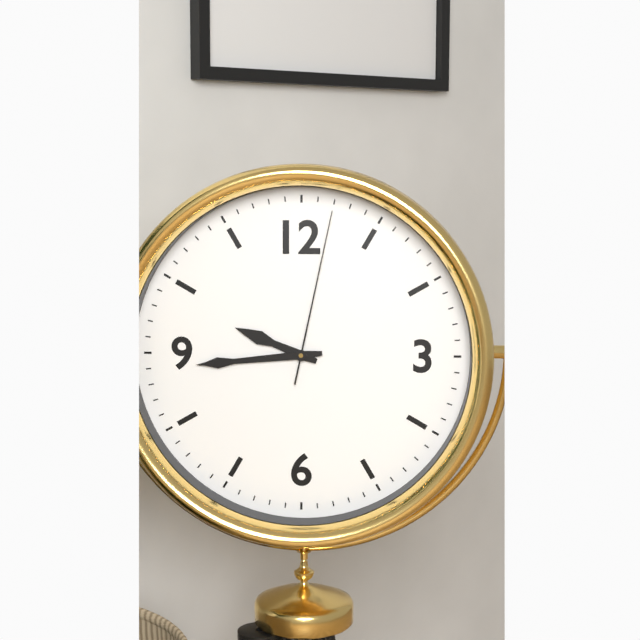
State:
9h44m02s
